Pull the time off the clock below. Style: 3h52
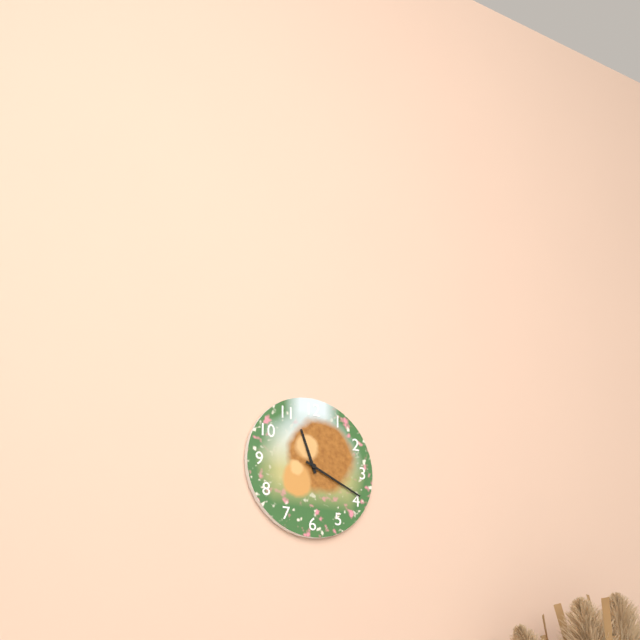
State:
11h19
